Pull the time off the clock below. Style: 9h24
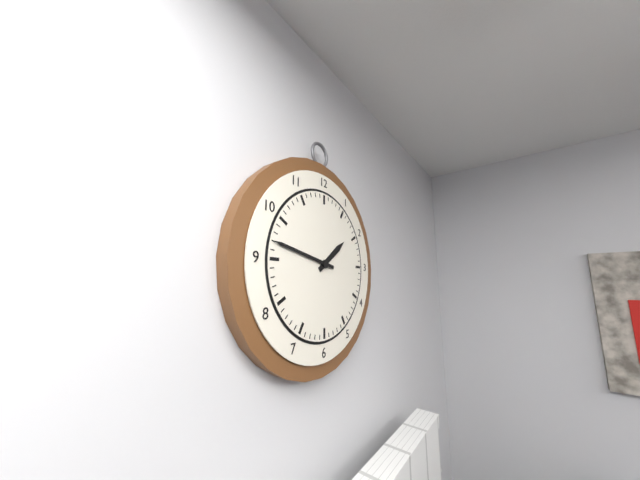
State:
1h47
